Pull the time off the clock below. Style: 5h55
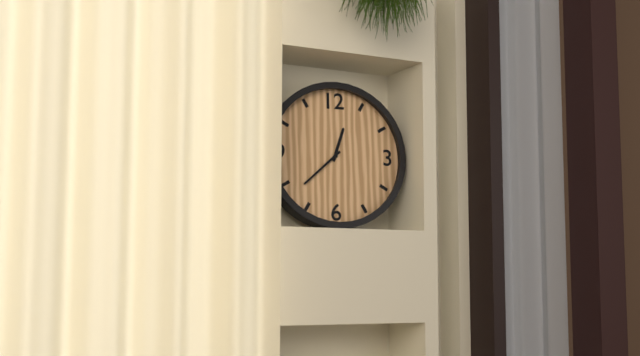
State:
12h38
